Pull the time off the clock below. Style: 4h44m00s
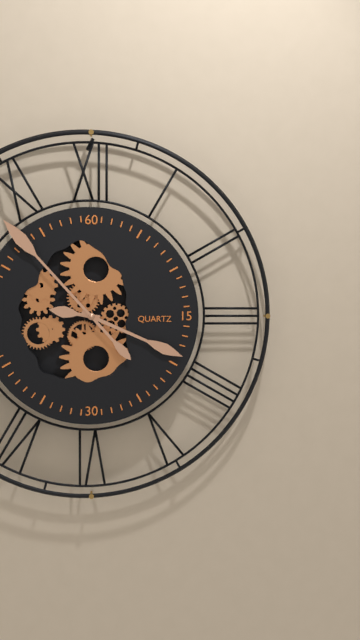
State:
9h19m53s
